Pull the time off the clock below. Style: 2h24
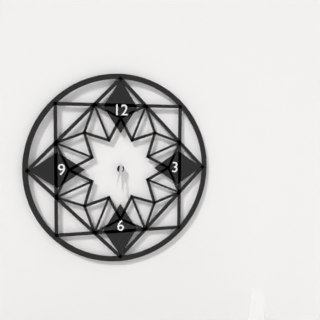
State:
6h29
